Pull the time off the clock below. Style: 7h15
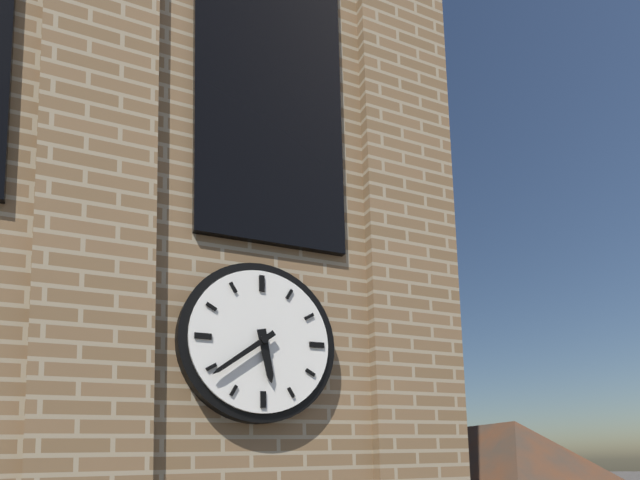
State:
5h39
